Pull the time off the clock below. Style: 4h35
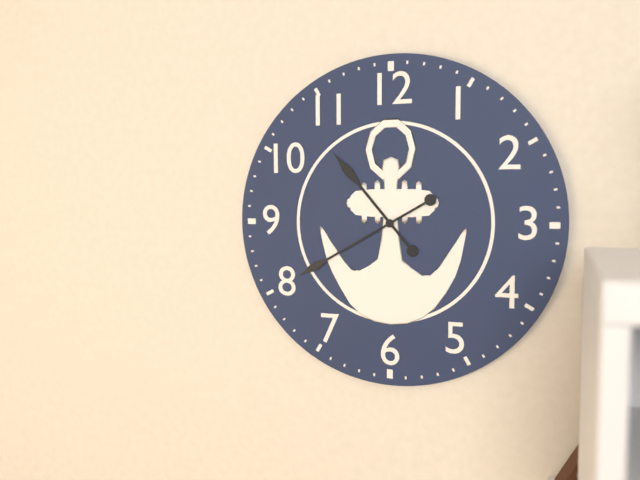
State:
10h40
